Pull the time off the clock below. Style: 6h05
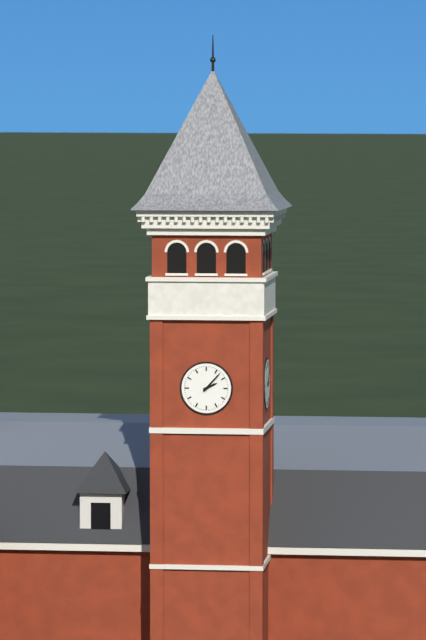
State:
2h07
